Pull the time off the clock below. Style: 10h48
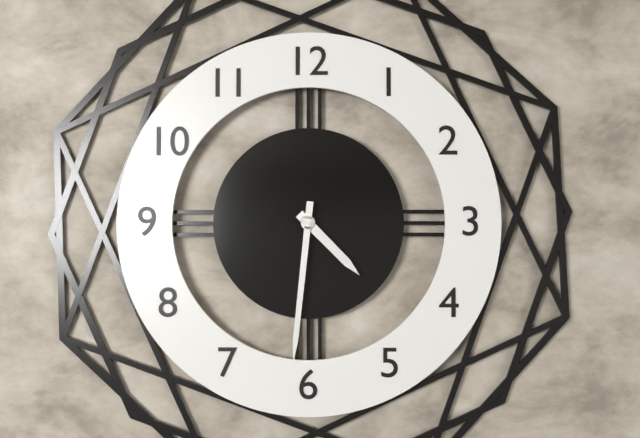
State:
4h31
